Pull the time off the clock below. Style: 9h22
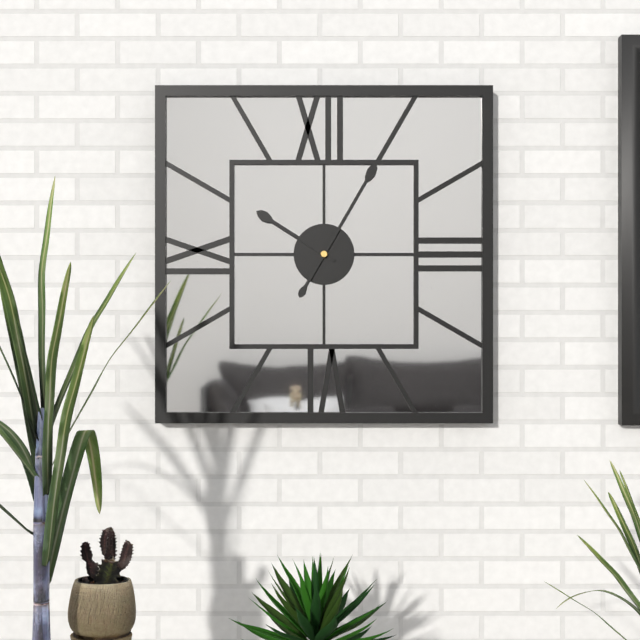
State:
10h05
